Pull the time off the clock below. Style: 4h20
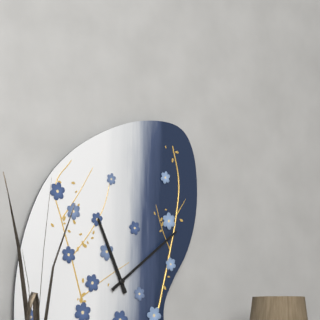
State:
11h09
